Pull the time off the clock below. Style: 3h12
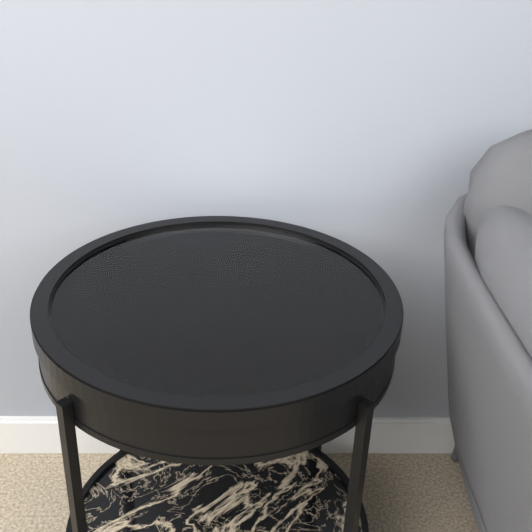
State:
9h52
